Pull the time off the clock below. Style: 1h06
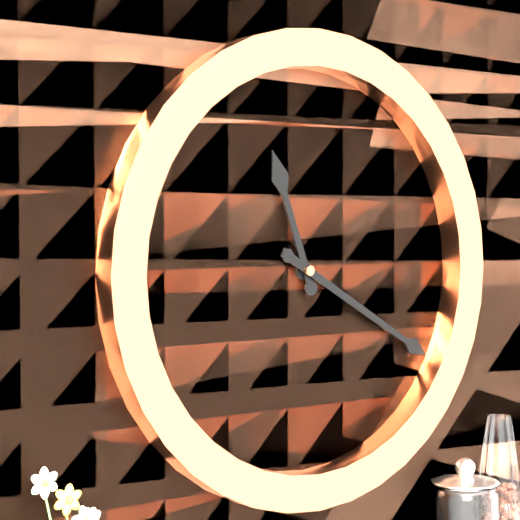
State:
11h20
